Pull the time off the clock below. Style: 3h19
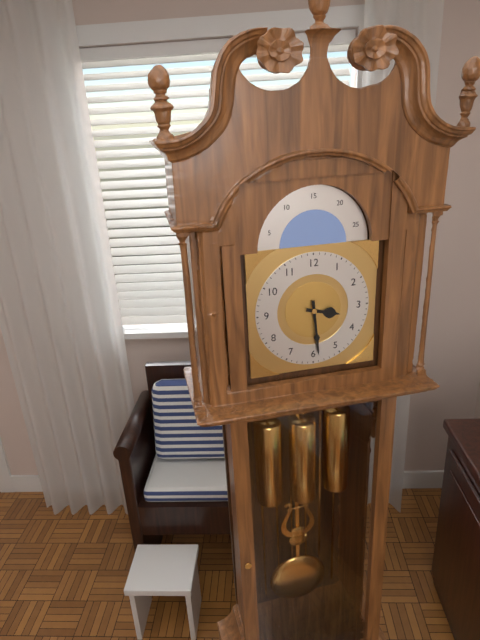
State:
3h29
